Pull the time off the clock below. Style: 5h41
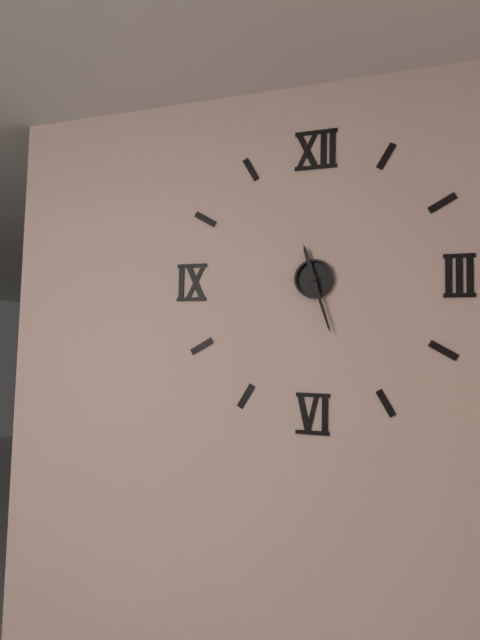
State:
11h27
